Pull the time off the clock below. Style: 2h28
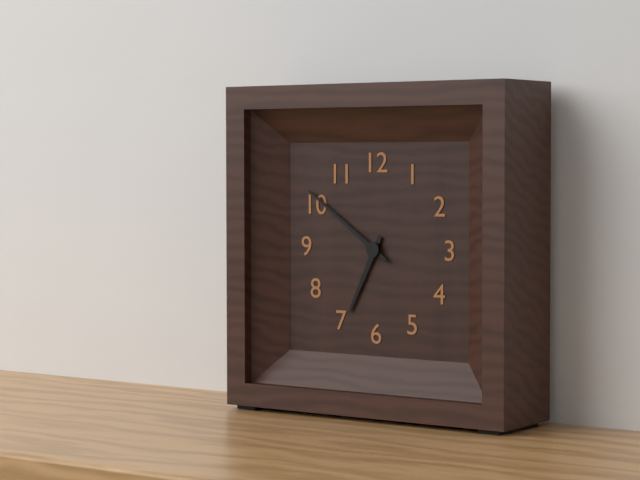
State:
6h51
